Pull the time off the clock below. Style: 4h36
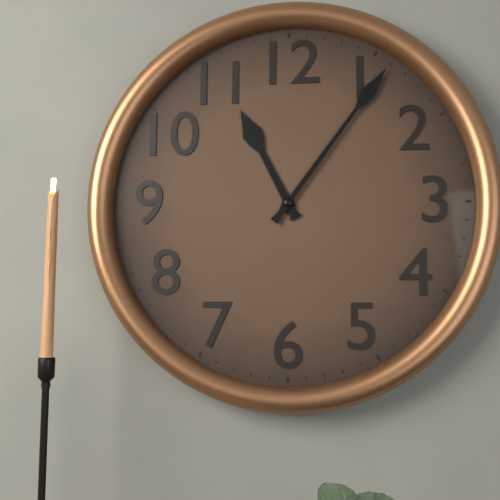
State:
11h06
